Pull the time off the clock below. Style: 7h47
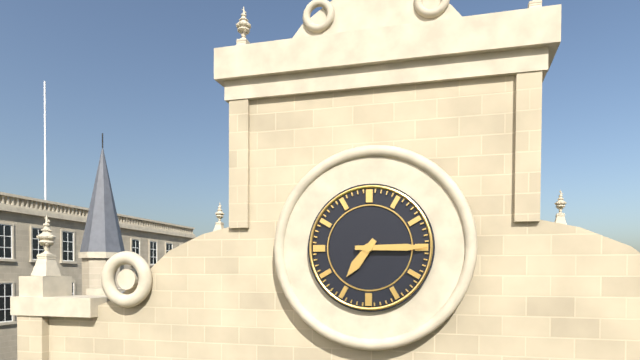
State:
7h15
